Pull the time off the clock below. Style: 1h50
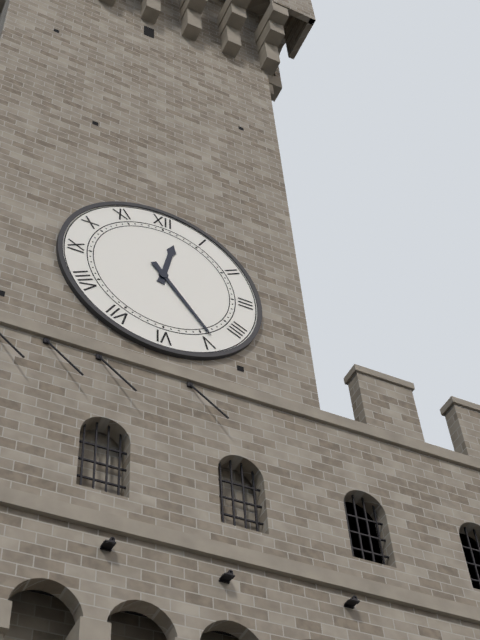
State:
12h24
